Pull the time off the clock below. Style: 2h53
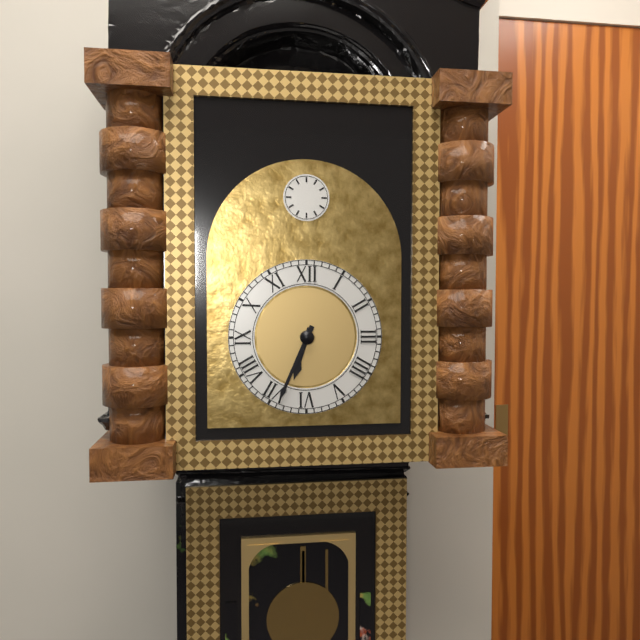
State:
6h34
